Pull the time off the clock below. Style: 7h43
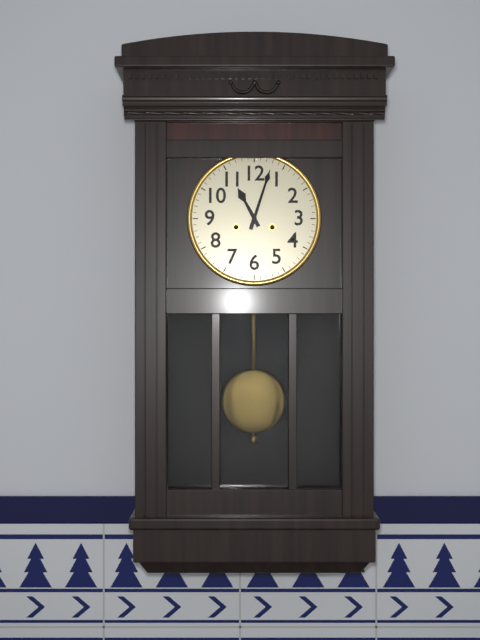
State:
11h03
